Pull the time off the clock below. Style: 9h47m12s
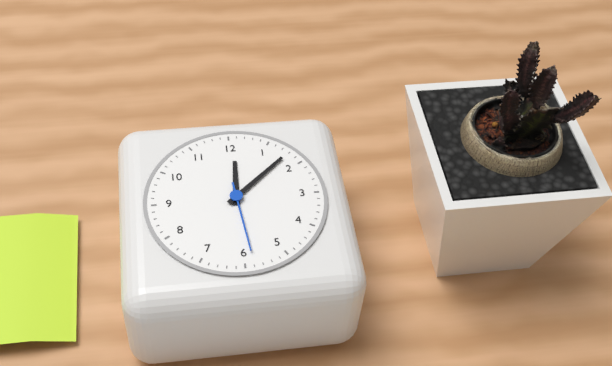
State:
12h08m29s
